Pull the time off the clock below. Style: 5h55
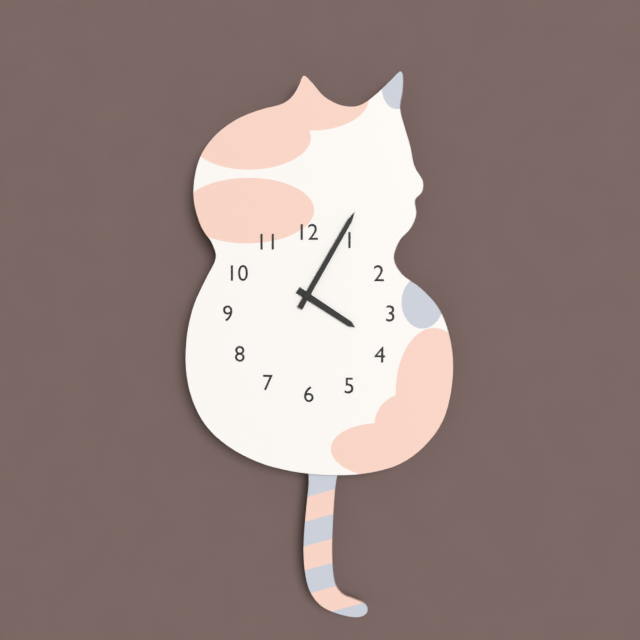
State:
4h05
